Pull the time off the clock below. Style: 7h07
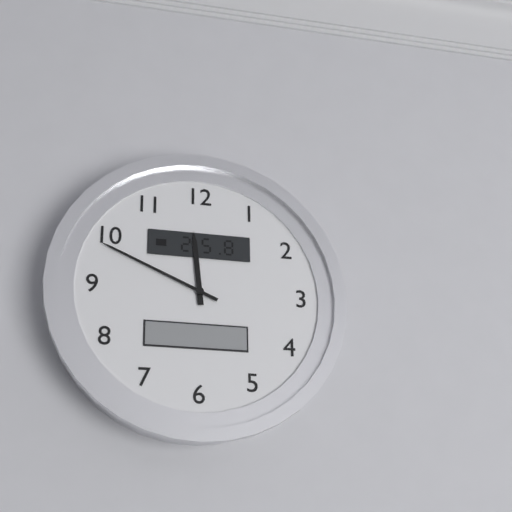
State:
11h49
